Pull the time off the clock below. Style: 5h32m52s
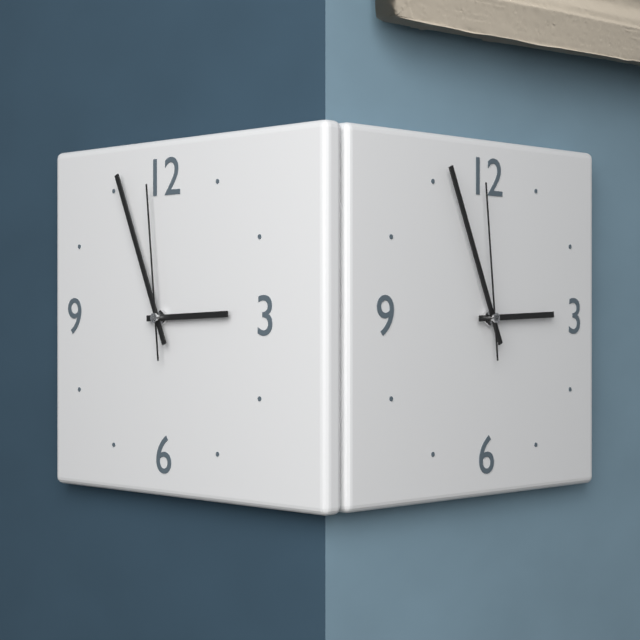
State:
2h56m59s
